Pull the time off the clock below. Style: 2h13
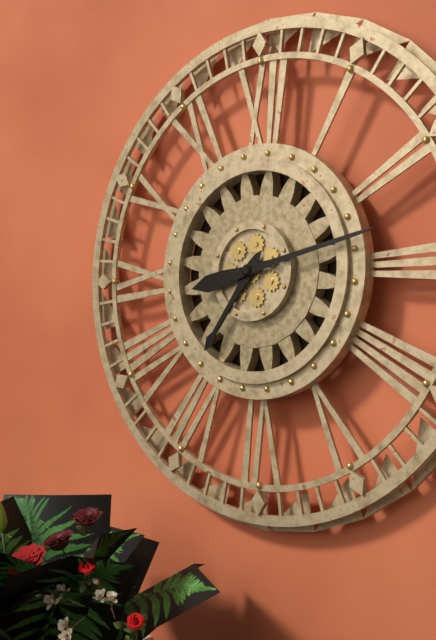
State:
7h13
